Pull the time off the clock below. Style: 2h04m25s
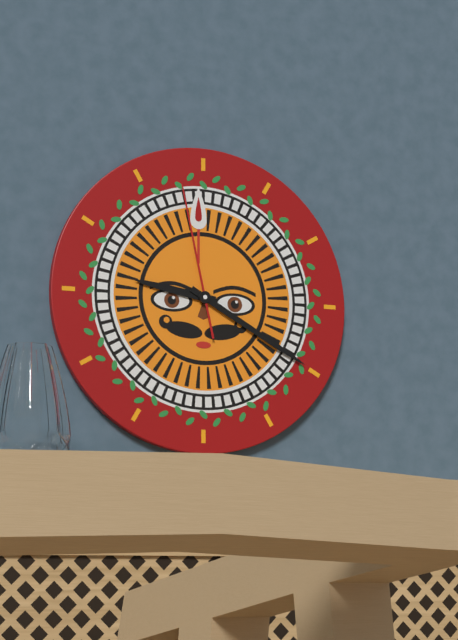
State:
9h20m58s
